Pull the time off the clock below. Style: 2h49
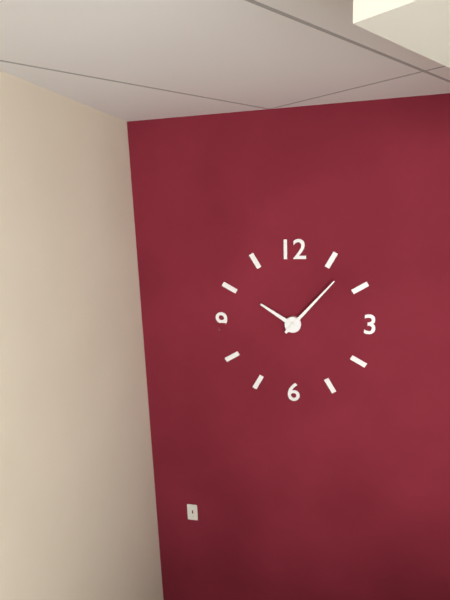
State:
10h07
